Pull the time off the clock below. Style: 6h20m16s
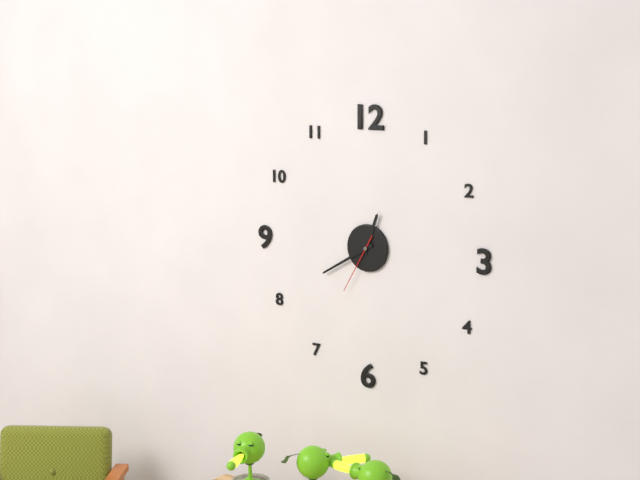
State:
12h40m35s
